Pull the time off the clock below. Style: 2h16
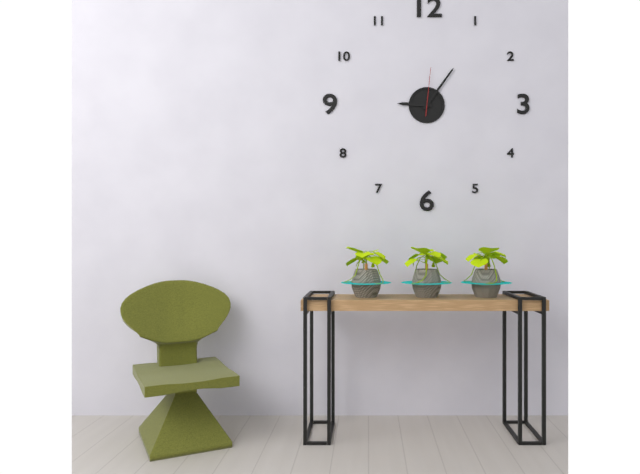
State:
9h06
